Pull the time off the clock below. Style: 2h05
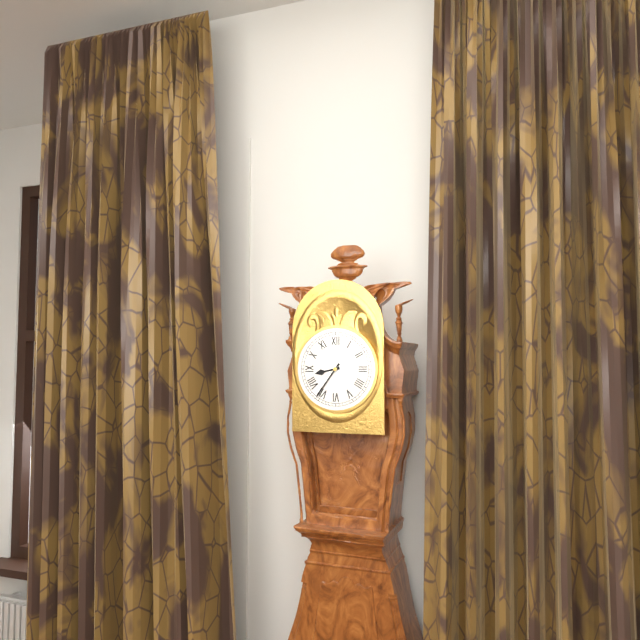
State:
8h36
